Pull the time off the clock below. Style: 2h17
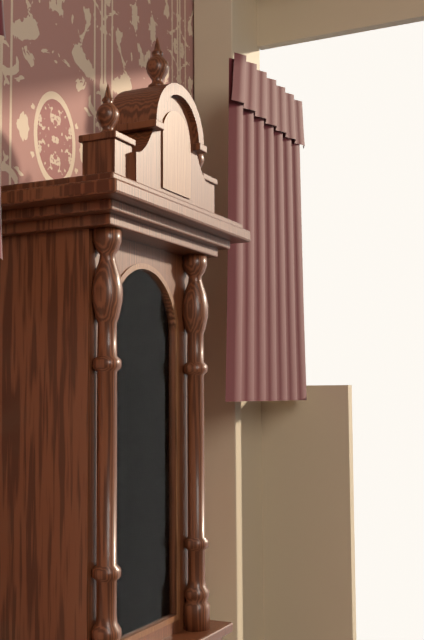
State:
1h30
